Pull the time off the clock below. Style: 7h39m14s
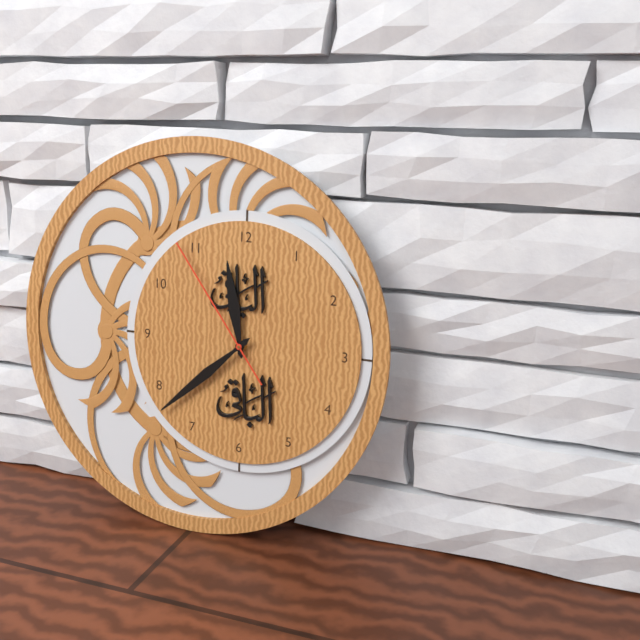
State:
11h38m54s
